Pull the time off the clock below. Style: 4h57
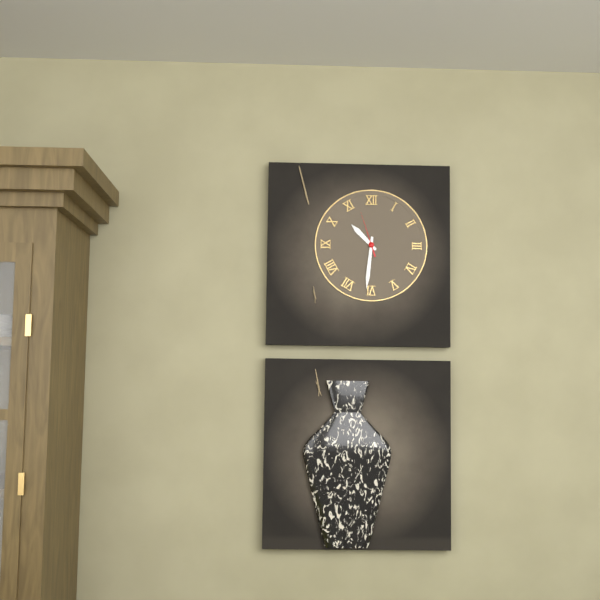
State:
10h31
